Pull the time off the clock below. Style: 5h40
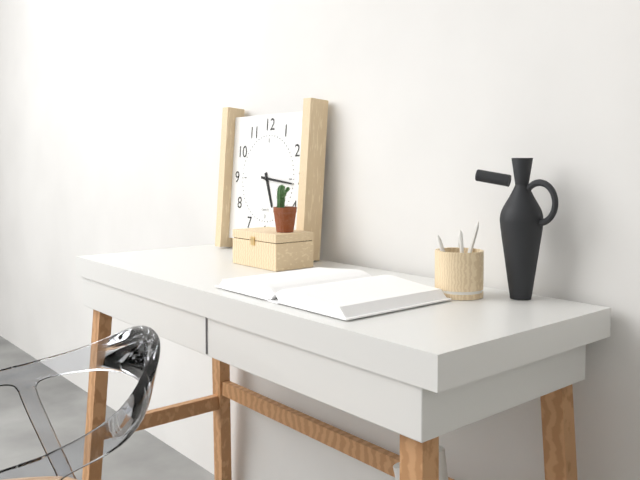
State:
5h16
